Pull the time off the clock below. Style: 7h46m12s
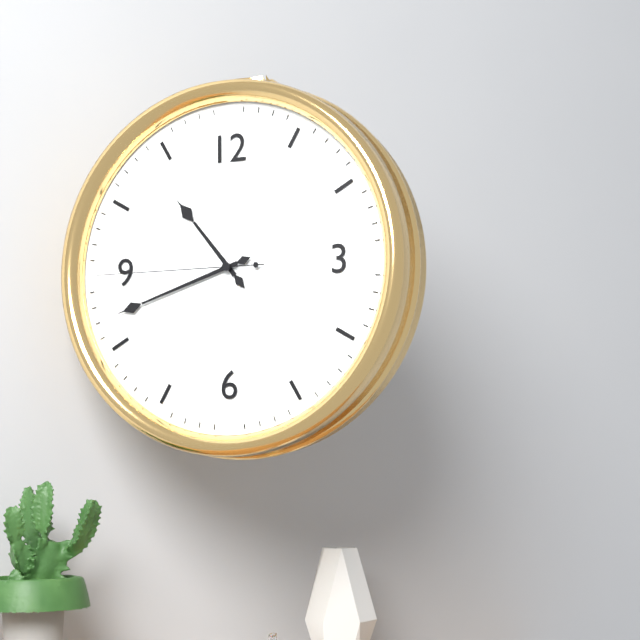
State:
10h42m45s
